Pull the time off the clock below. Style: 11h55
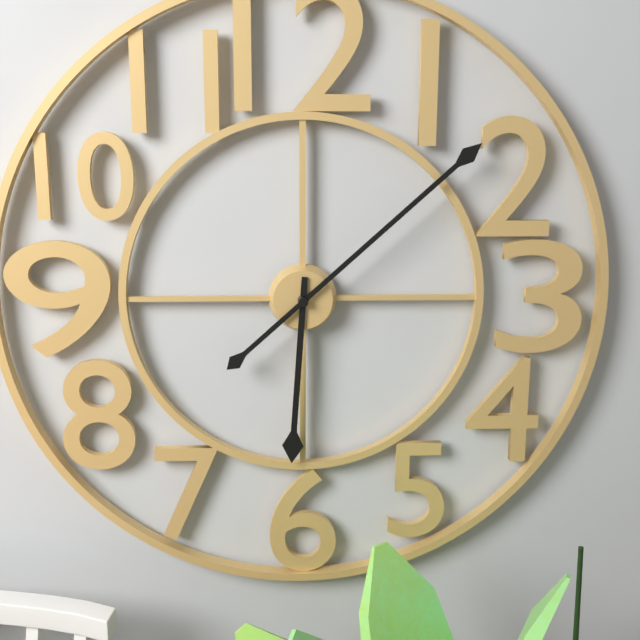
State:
6h08
